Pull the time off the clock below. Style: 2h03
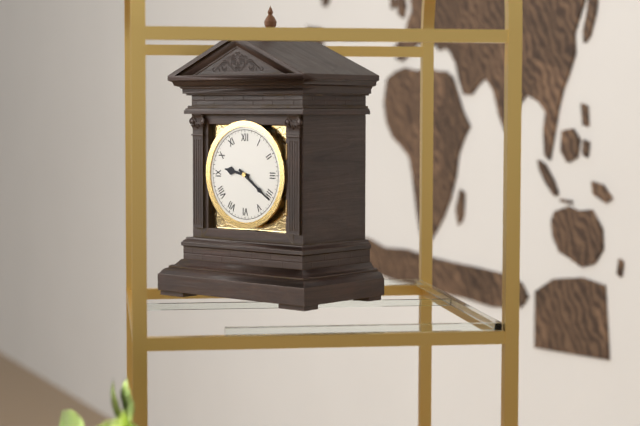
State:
9h21
